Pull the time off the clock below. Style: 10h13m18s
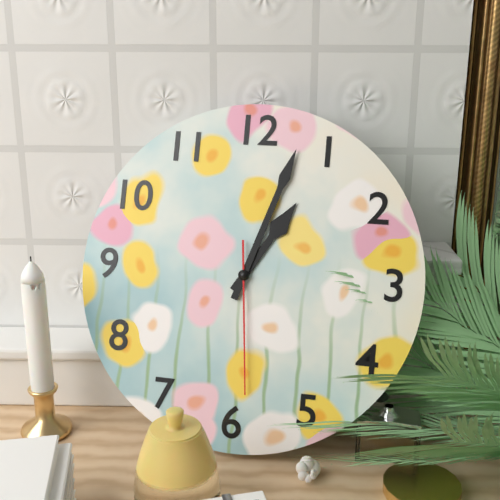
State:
1h03m29s
